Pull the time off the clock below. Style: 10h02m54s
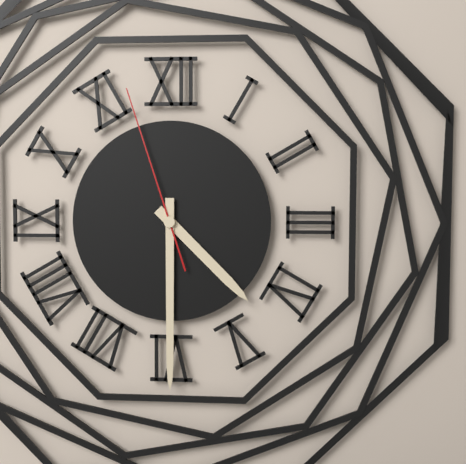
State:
4h30m57s
